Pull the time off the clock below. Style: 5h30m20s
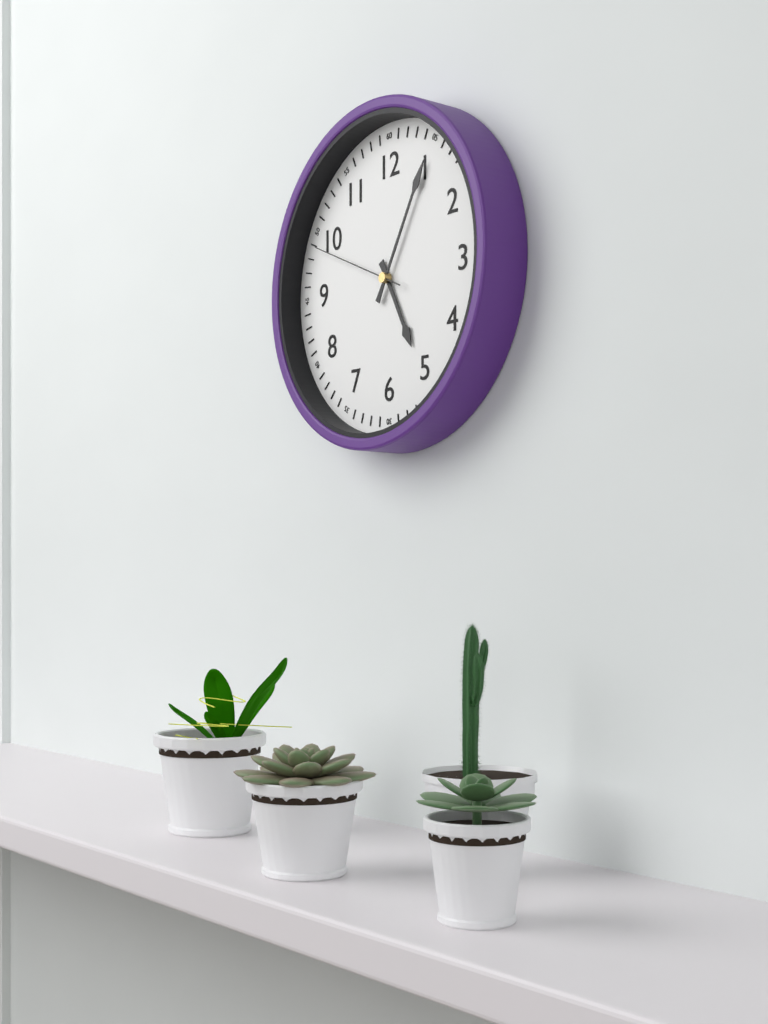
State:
5h05m49s
